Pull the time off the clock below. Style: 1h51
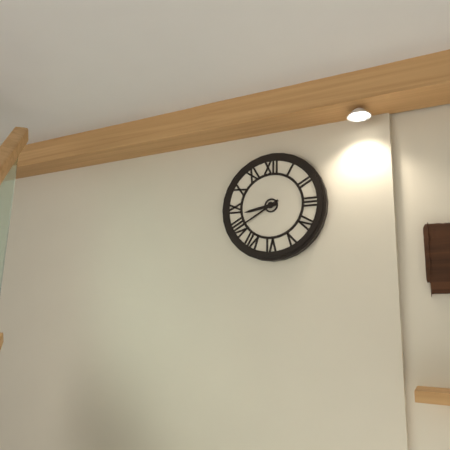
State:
8h40
